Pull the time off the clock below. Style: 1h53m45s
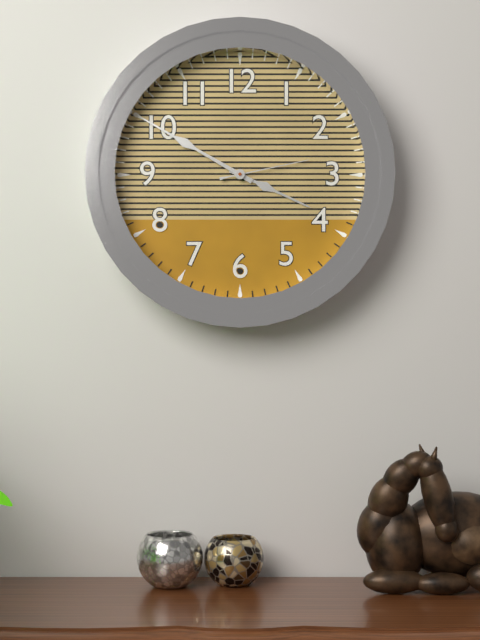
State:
3h50m13s
